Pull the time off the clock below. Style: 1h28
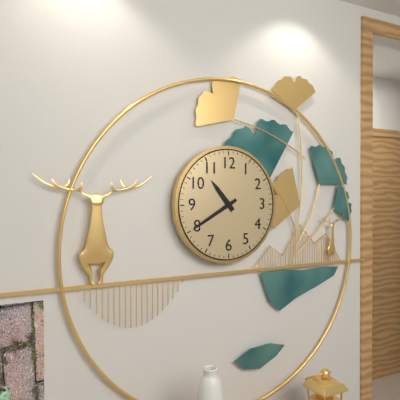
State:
10h40
